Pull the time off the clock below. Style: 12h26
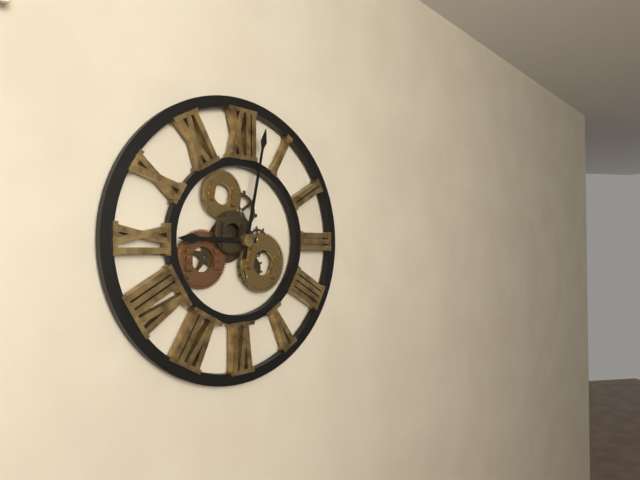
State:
9h02
